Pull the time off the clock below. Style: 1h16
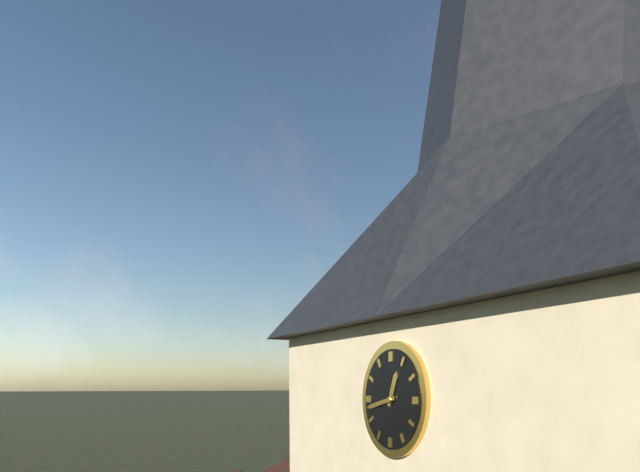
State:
12h43
